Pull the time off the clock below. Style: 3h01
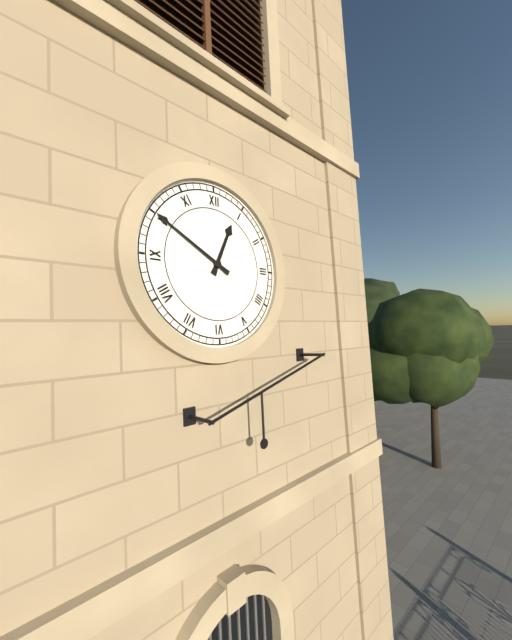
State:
12h50
